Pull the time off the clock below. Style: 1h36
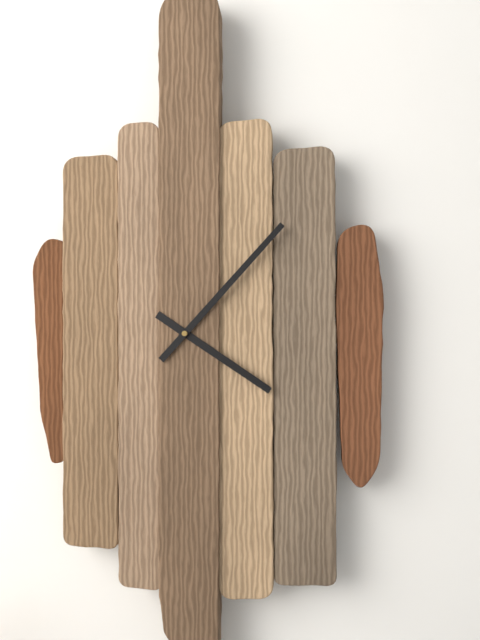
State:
4h07
